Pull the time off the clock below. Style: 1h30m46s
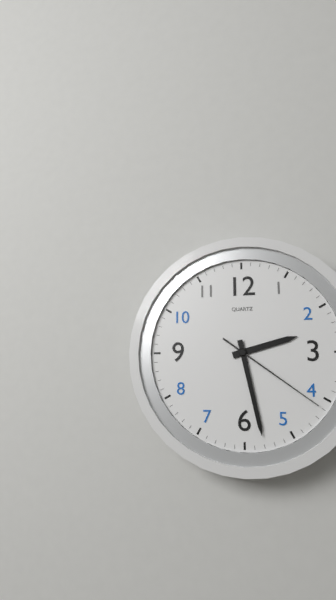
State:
2h28m21s
